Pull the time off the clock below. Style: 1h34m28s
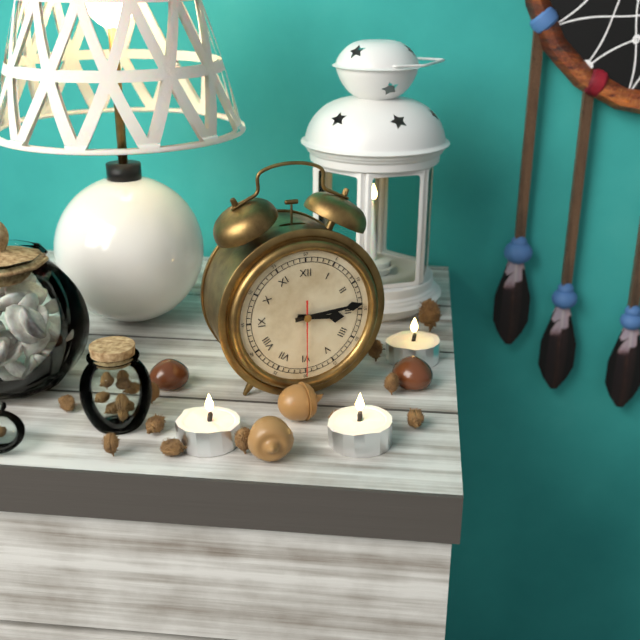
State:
3h14m30s
